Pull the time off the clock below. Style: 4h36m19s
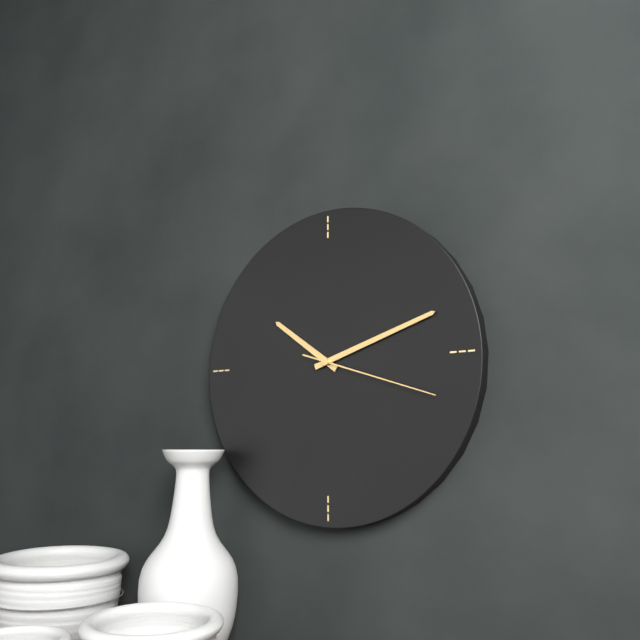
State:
10h12m18s
